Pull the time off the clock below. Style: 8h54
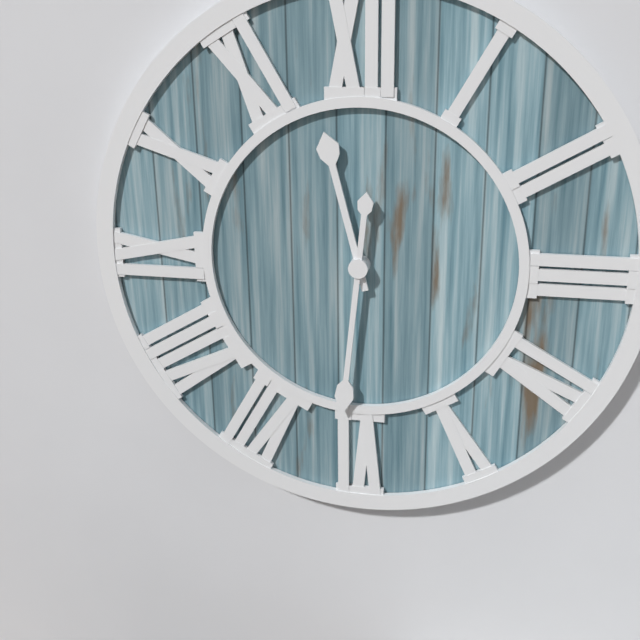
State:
11h31
